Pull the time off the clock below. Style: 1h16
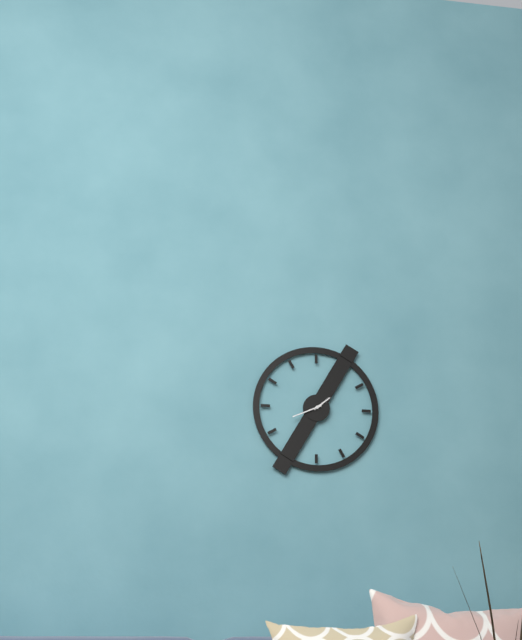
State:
1h41
